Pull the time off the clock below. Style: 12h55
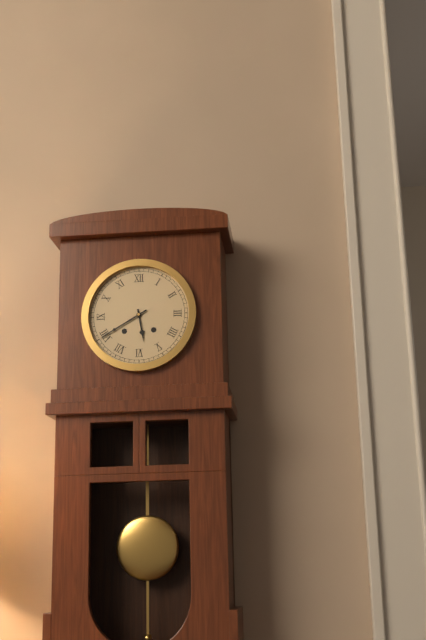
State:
5h40
